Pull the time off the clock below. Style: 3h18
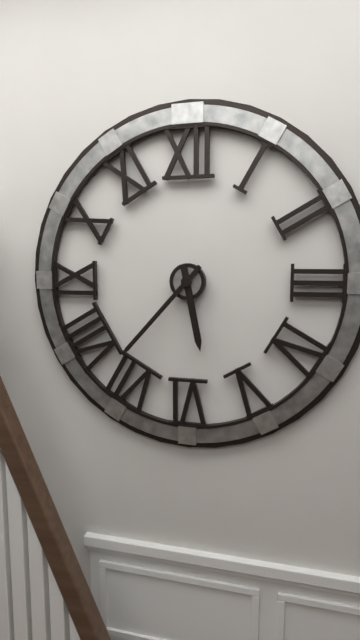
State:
5h37
